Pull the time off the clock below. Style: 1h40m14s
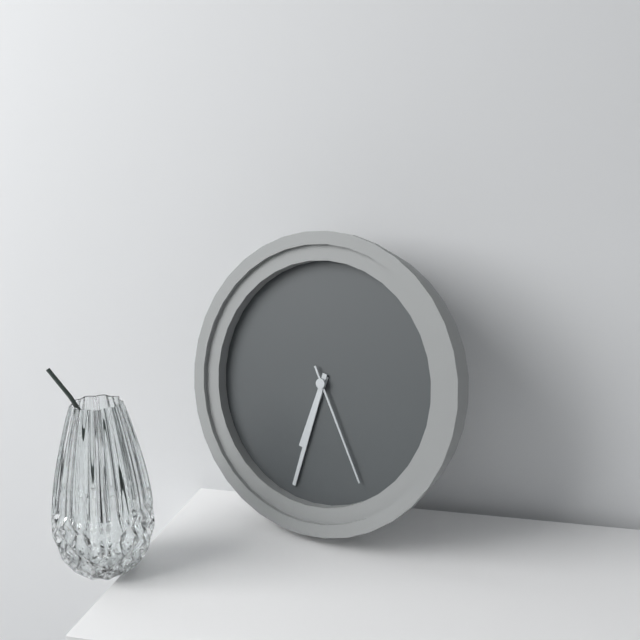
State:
6h32m25s
